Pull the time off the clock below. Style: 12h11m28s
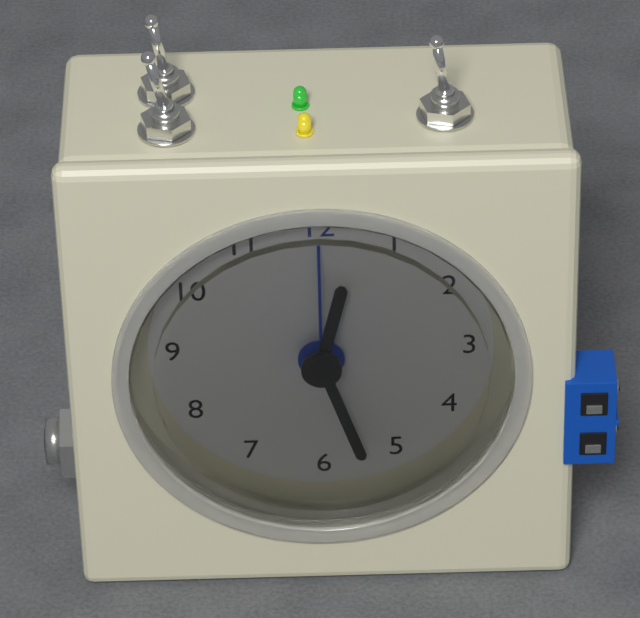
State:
12h27m00s
